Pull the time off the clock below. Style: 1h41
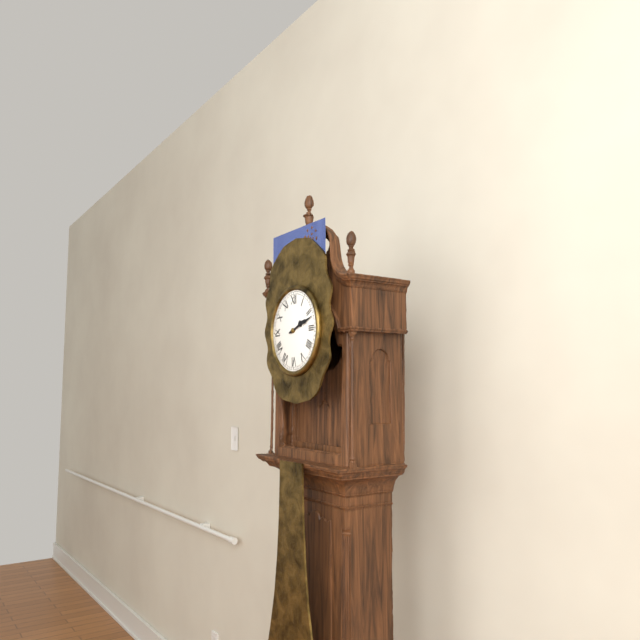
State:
2h12
